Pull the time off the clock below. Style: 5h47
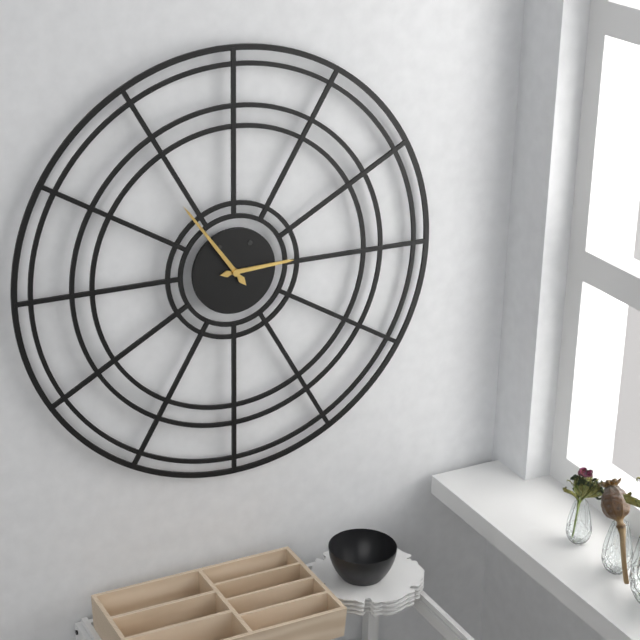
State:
2h54
